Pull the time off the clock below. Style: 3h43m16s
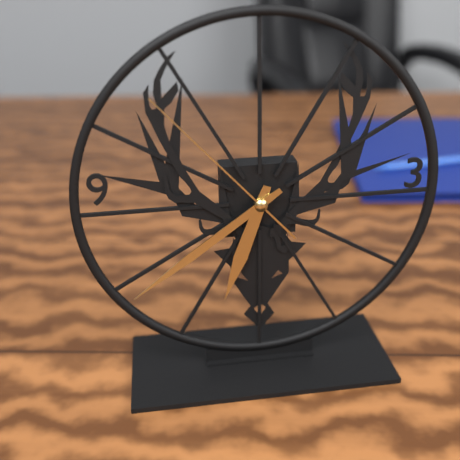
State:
6h39m53s
